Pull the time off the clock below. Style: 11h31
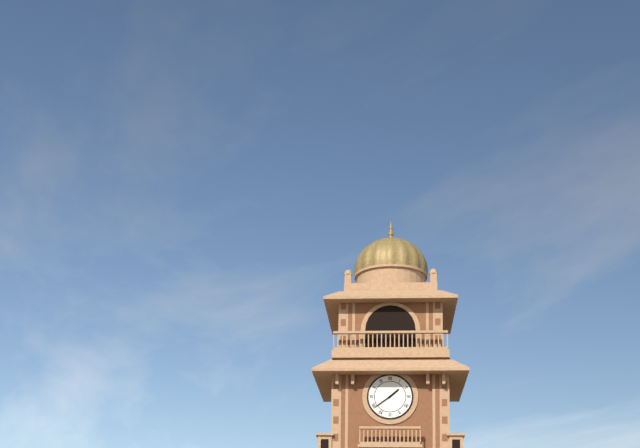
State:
1h39
